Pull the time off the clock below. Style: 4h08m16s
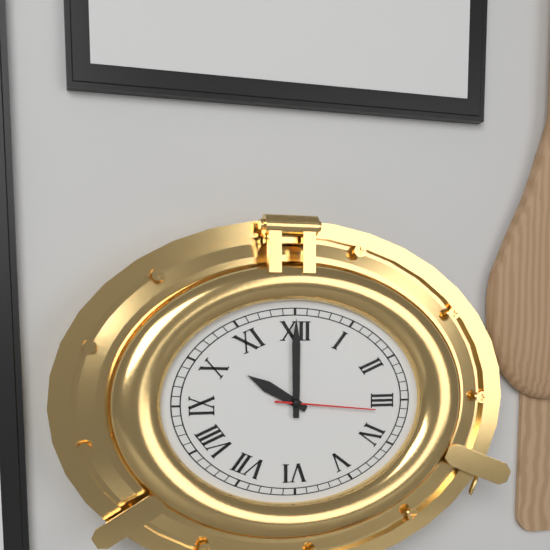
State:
10h00m16s
